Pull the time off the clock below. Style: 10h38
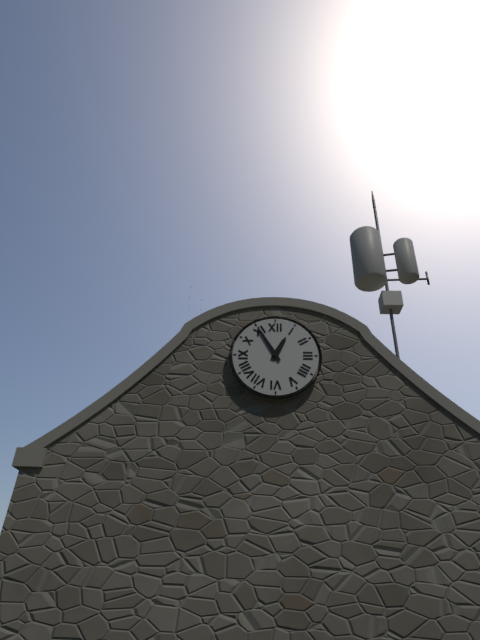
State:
12h55
